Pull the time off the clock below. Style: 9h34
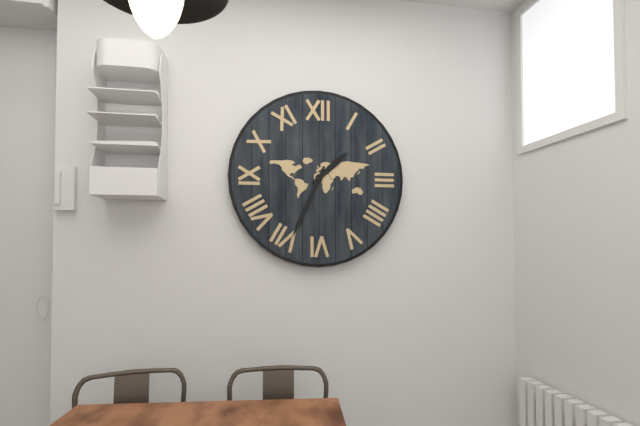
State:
1h34
